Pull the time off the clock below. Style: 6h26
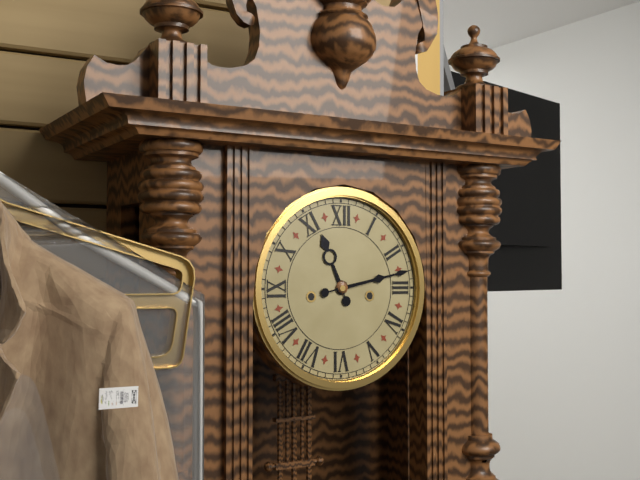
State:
11h13
